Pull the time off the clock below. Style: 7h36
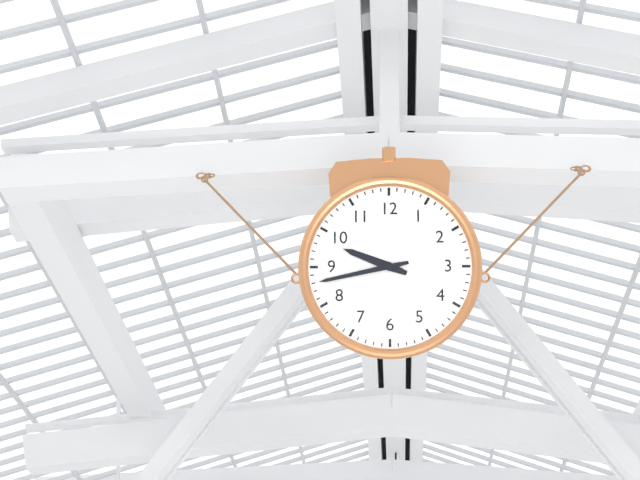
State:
9h43
